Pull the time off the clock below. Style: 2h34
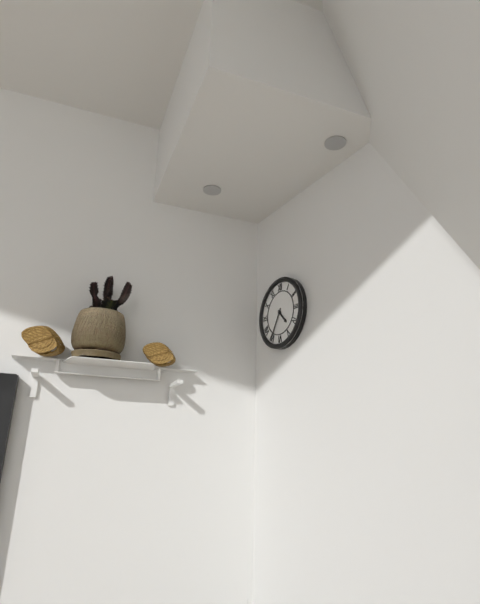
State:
4h35
